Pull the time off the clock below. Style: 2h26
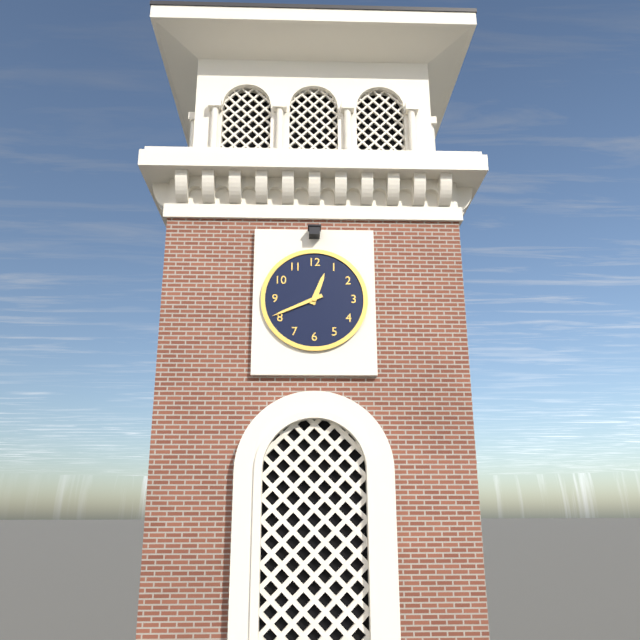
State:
12h41
